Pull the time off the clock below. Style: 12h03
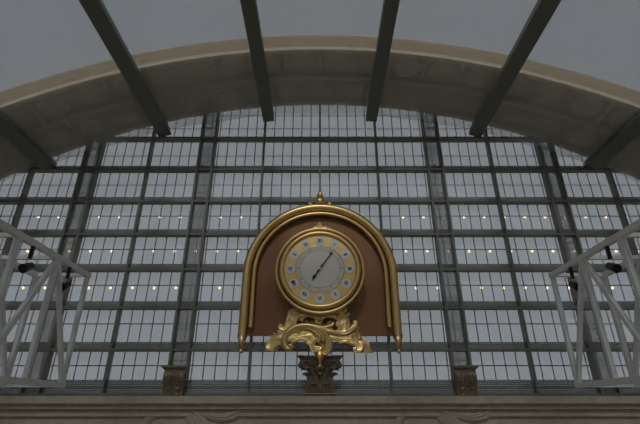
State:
7h06
